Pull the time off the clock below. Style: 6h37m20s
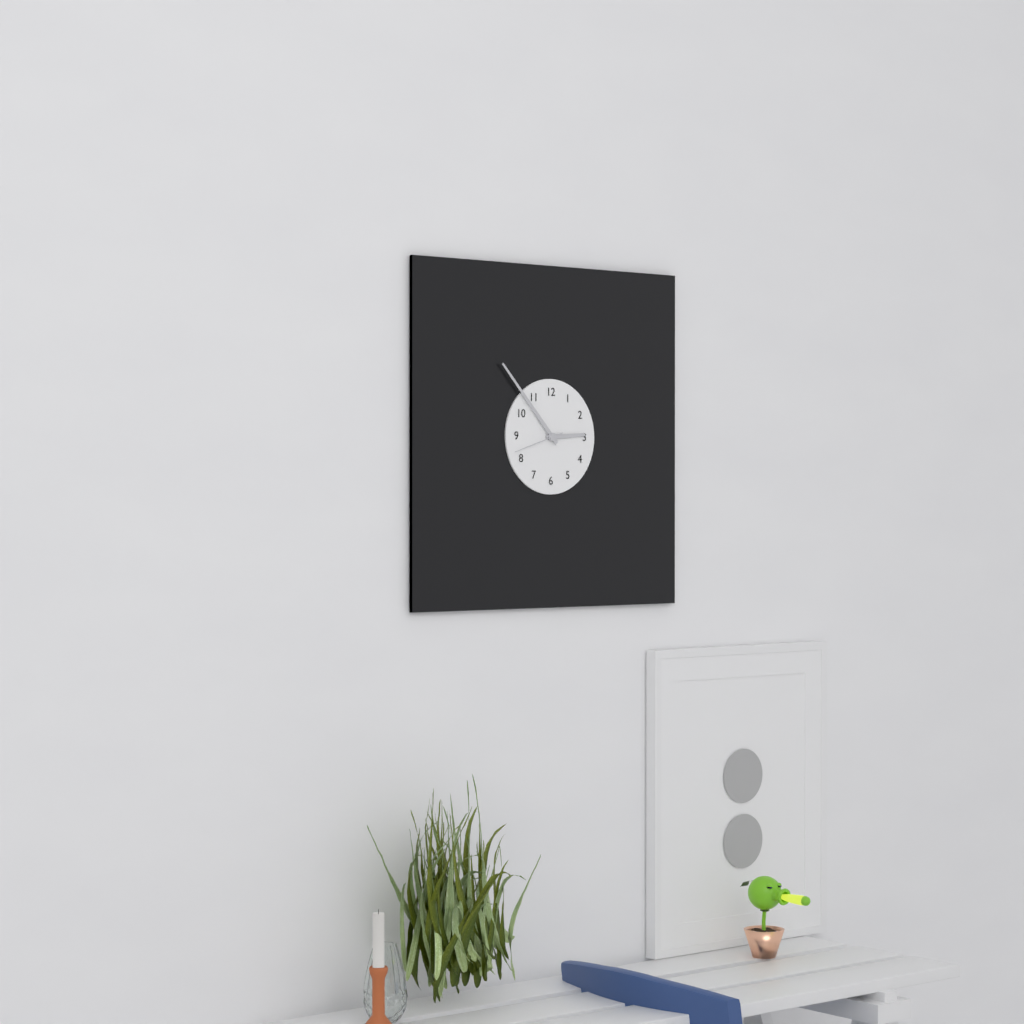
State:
2h53m42s
